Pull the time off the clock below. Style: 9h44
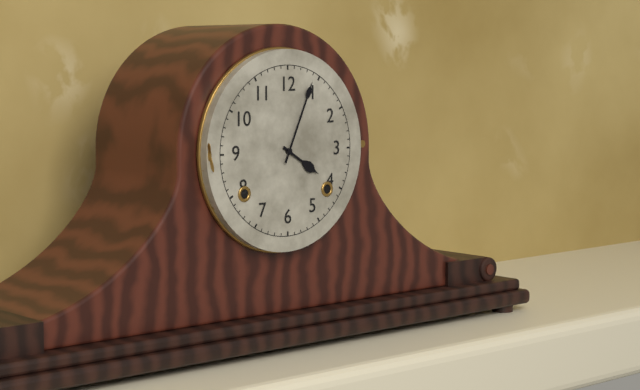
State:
4h04
